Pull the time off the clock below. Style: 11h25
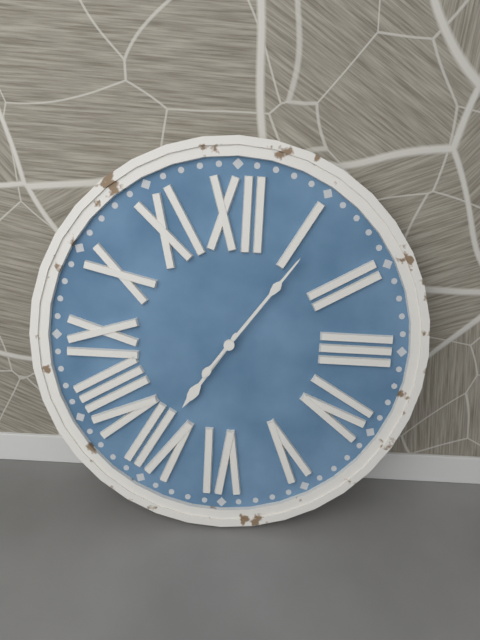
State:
7h06
